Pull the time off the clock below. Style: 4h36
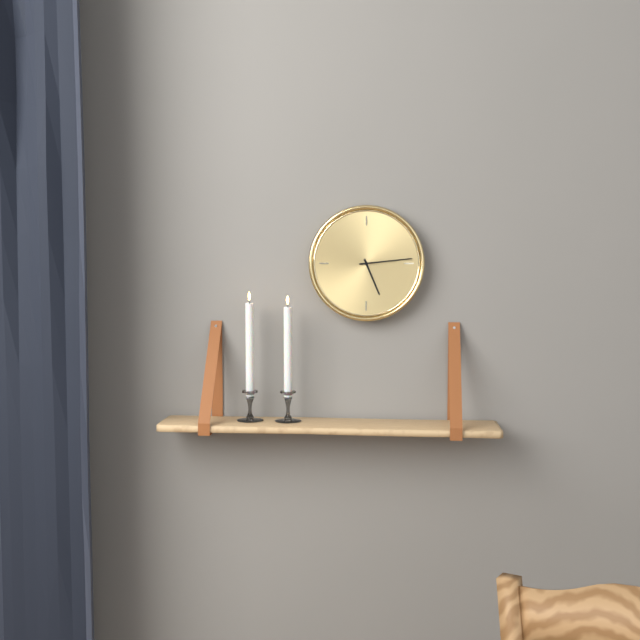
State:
5h14
